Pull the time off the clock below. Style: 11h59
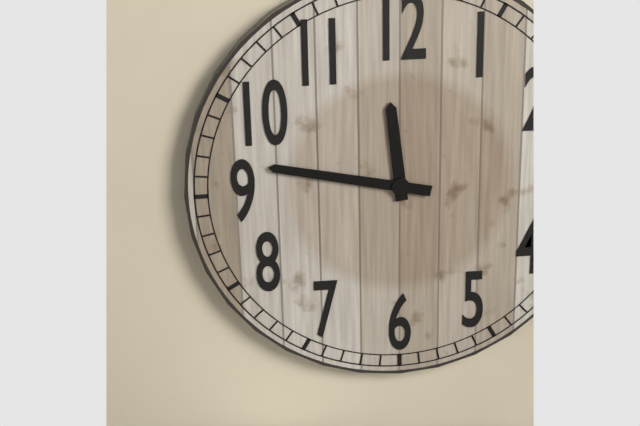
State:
11h47
